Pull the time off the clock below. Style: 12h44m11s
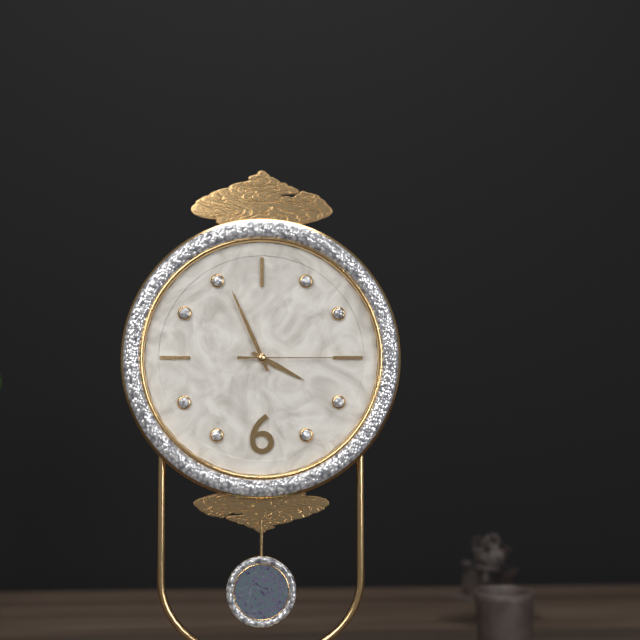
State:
3h56m15s
